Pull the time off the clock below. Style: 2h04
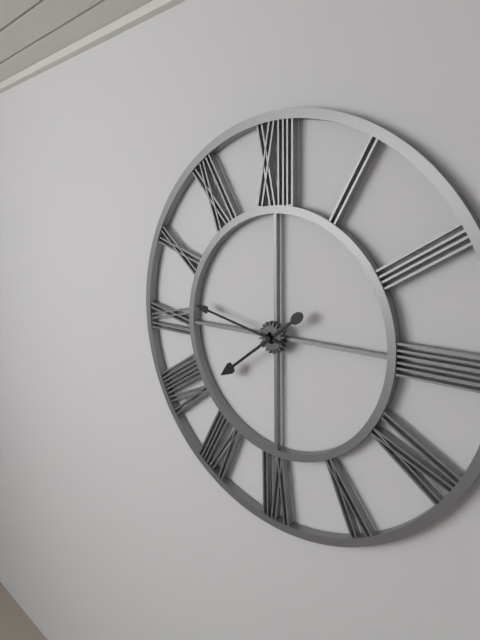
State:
7h47
